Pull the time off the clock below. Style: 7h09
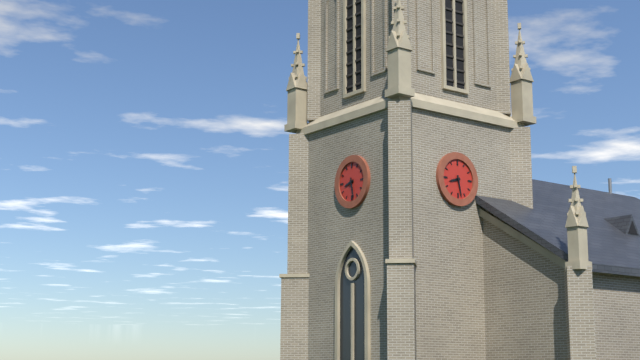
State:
8h28
